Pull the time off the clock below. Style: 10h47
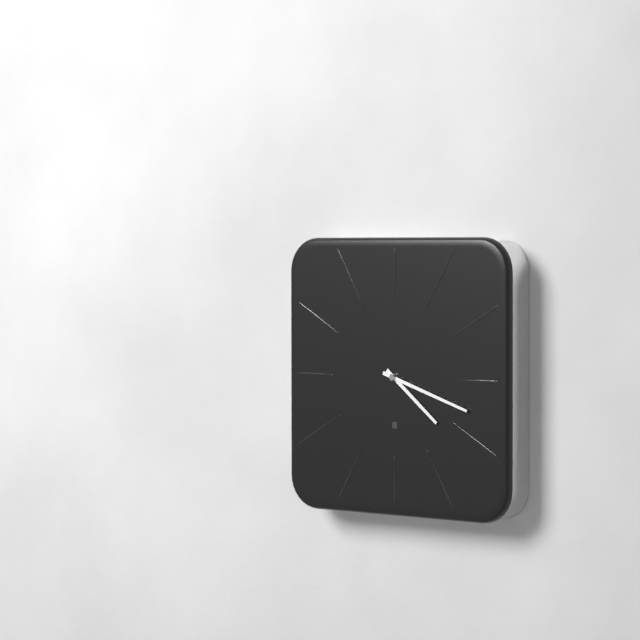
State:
4h18
